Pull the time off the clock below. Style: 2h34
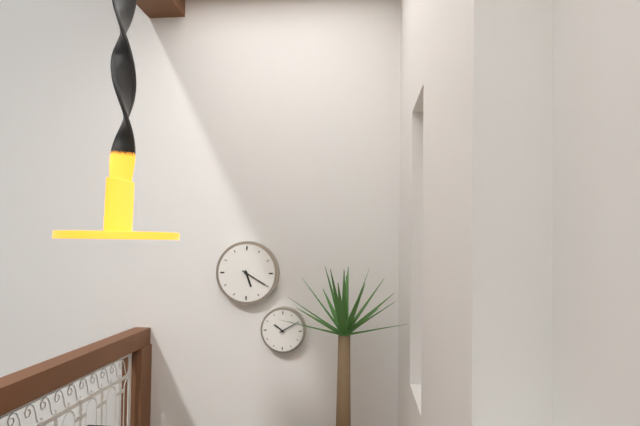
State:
5h20
